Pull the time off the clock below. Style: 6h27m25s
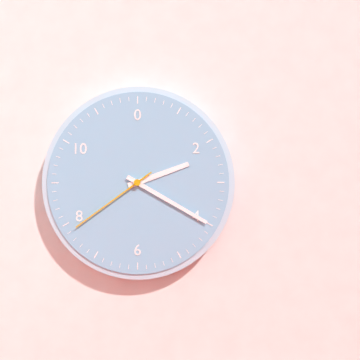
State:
2h20m39s
